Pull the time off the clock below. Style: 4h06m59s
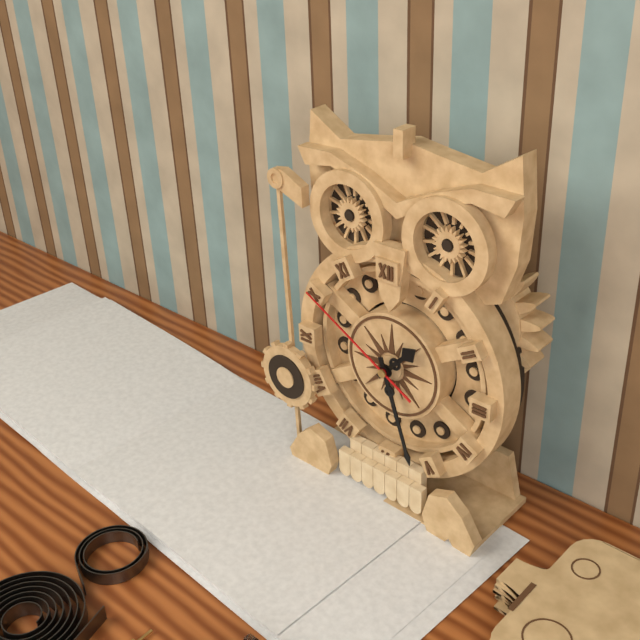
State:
1h27m50s
